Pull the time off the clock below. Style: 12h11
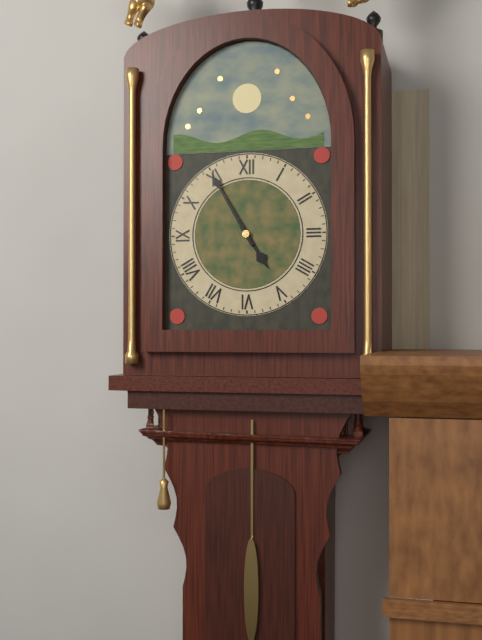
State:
4h55
